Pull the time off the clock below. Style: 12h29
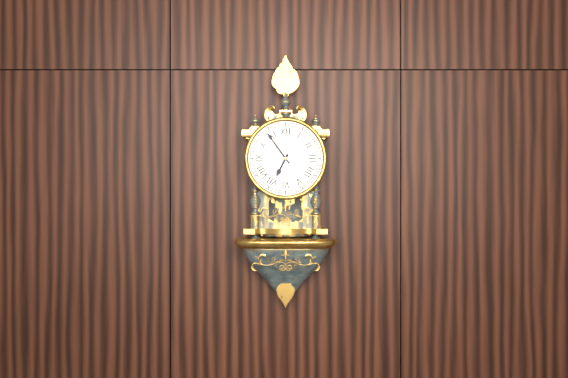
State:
6h54
